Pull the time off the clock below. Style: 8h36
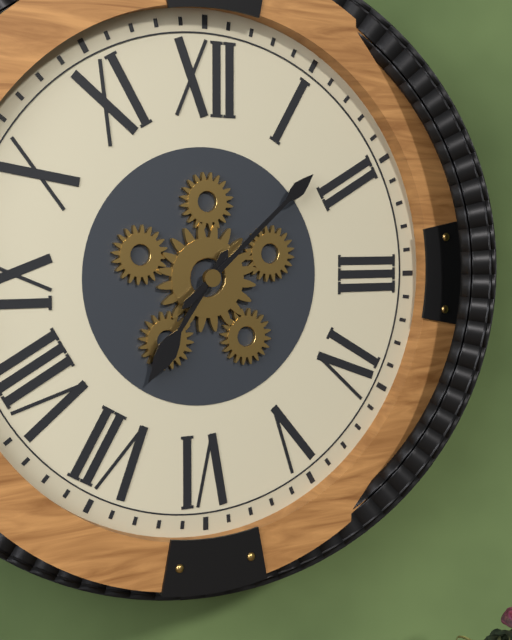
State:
7h08
